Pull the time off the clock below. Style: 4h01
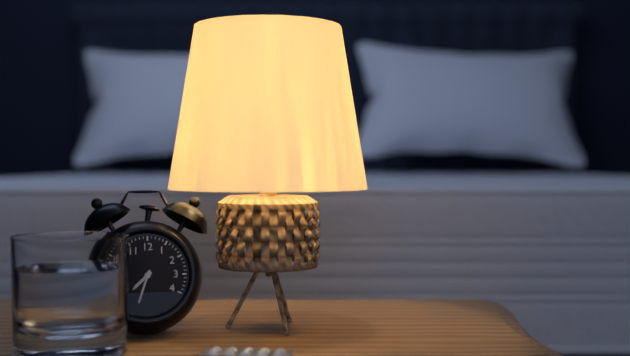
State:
7h33
